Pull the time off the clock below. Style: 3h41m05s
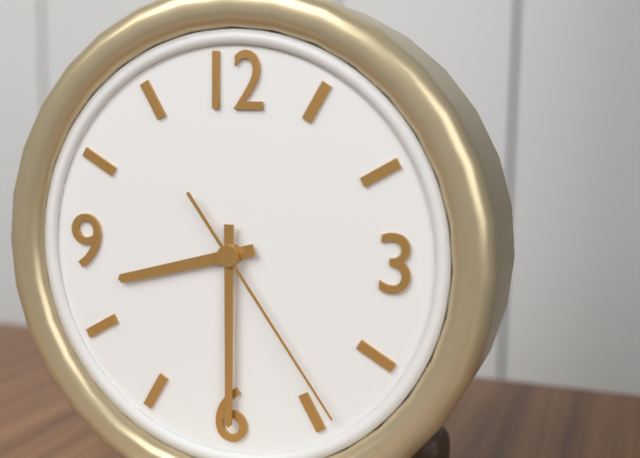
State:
8h30m24s
